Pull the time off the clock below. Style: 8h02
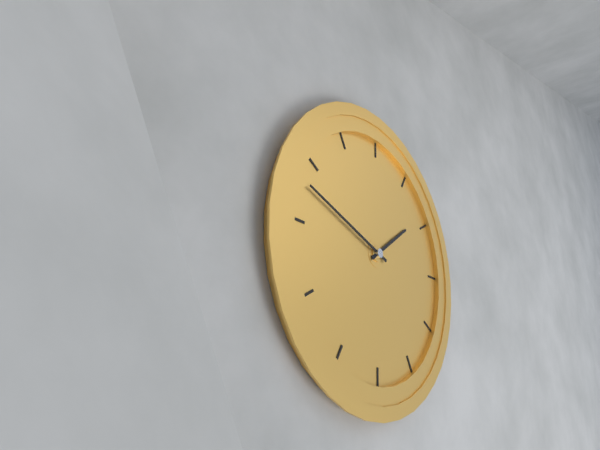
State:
1h48
